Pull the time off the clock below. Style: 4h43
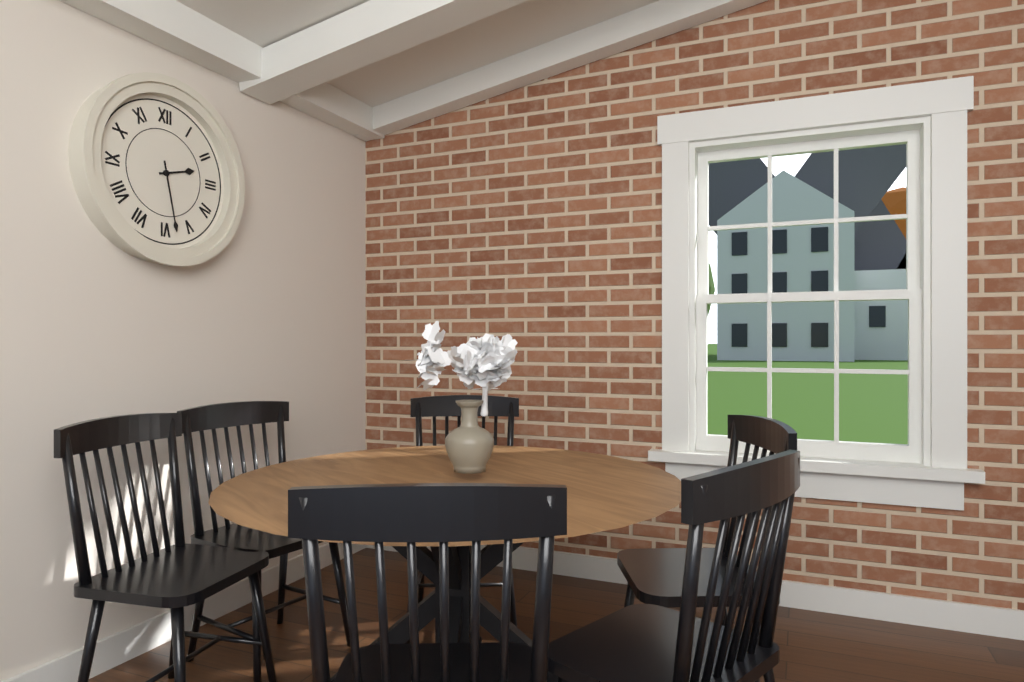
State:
2h28
